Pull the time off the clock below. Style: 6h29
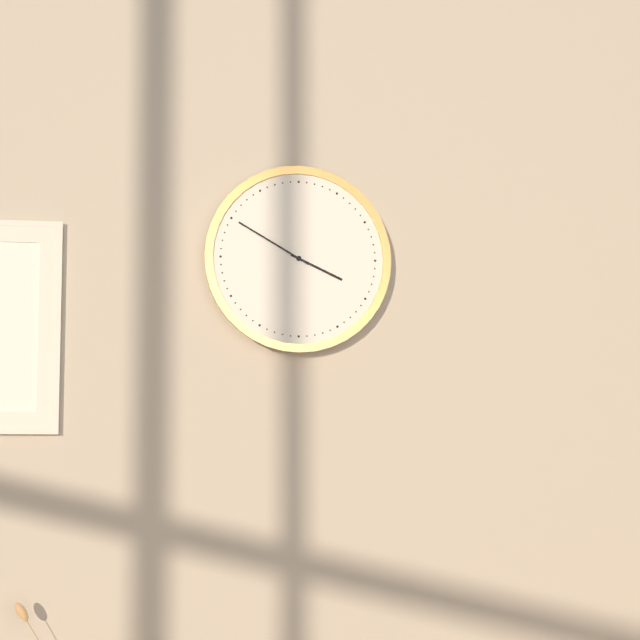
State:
3h50
